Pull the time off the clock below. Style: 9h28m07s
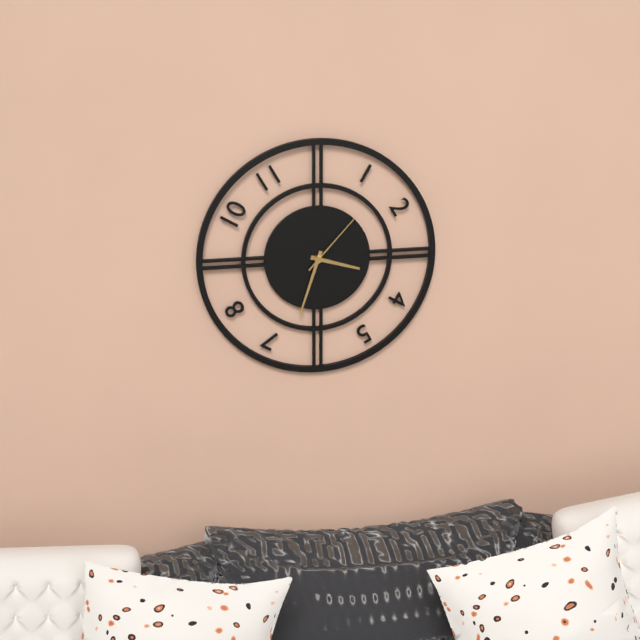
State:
3h33m07s
